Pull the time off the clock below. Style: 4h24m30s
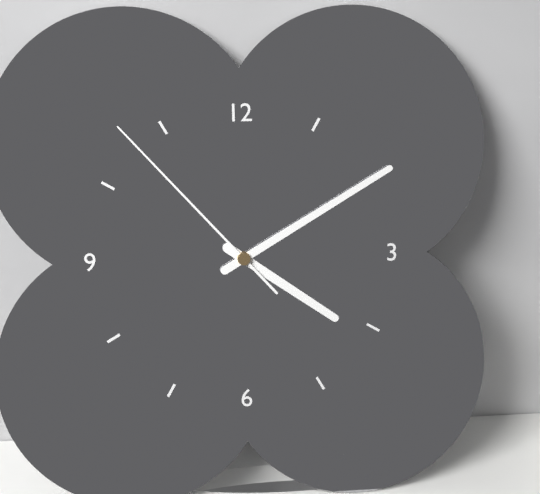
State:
4h10m53s
